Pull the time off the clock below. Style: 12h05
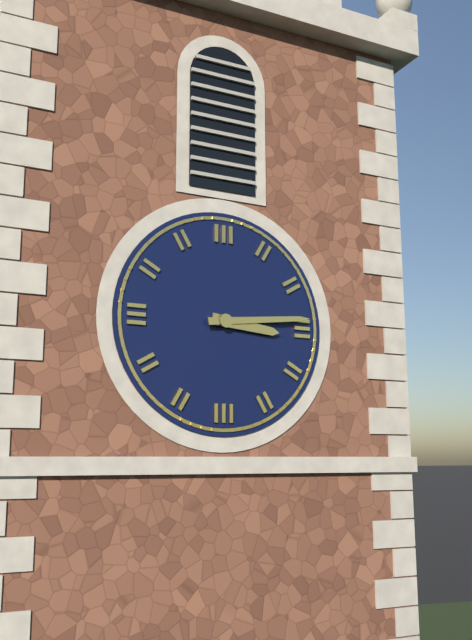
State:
3h14
